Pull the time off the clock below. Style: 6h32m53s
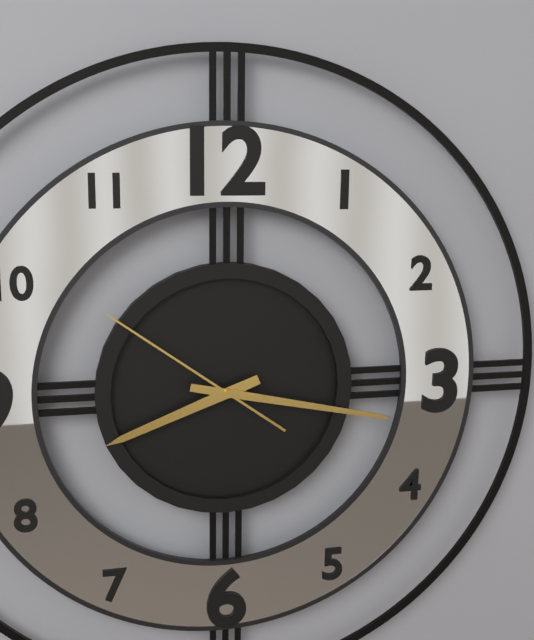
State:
8h17m51s
